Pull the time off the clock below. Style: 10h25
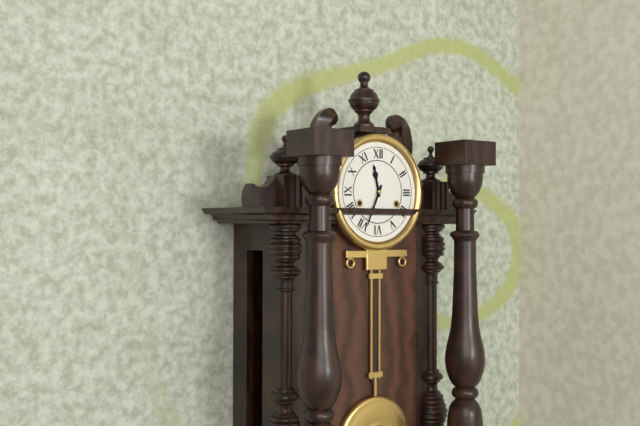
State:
11h34
